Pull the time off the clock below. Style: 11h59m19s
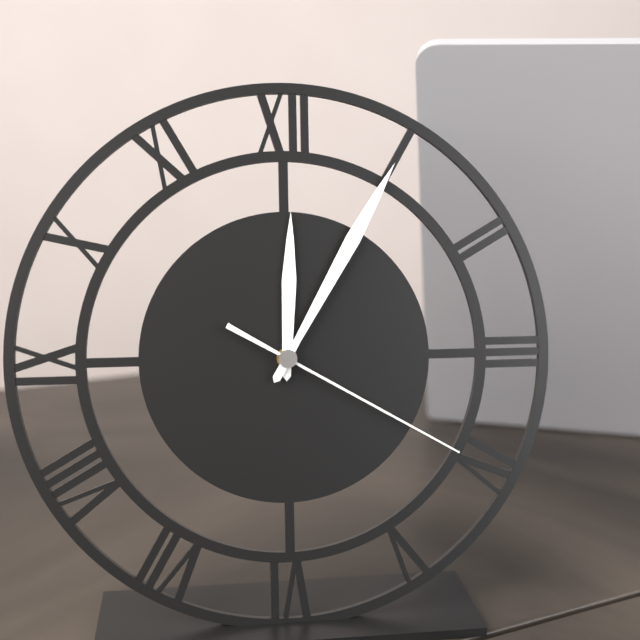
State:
12h05m20s
